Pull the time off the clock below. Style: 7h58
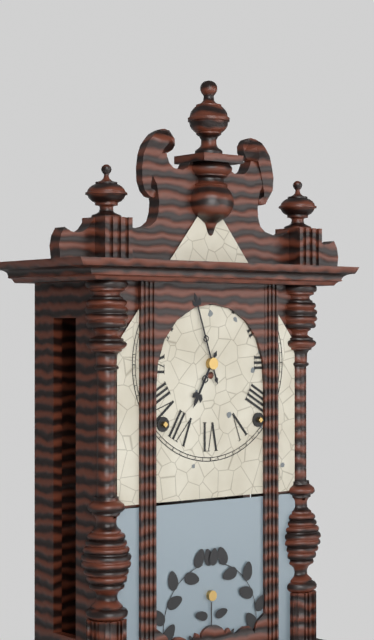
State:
6h57
